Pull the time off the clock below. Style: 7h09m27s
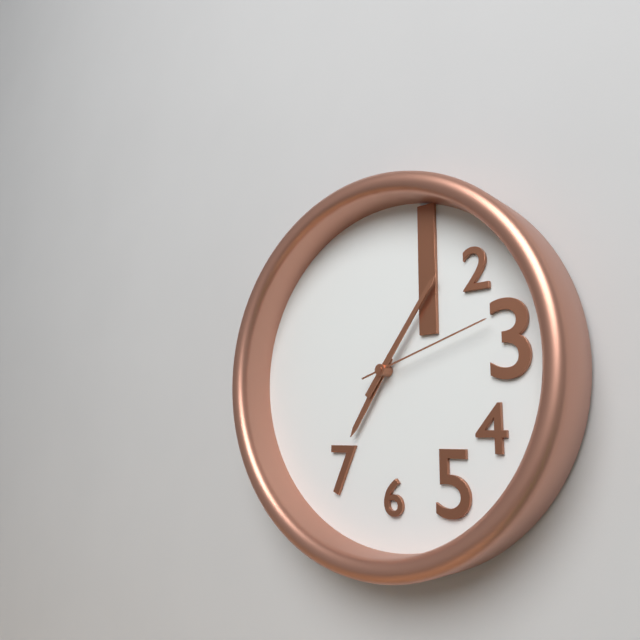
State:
7h06m12s
